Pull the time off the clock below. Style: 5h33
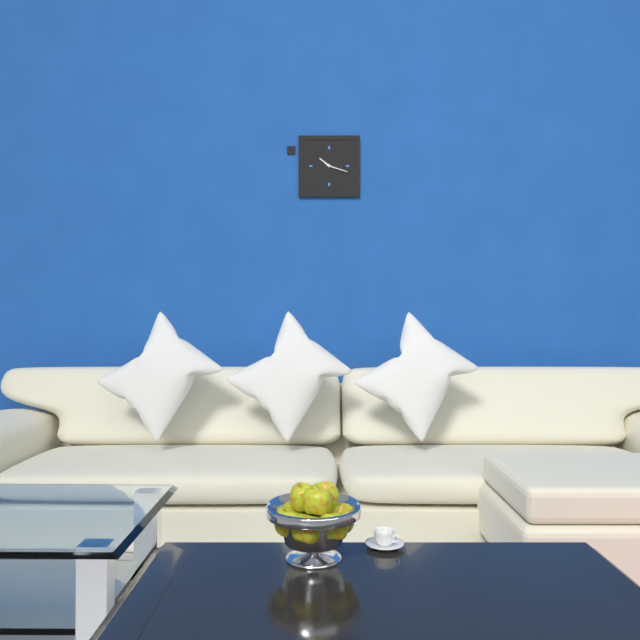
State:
10h18
